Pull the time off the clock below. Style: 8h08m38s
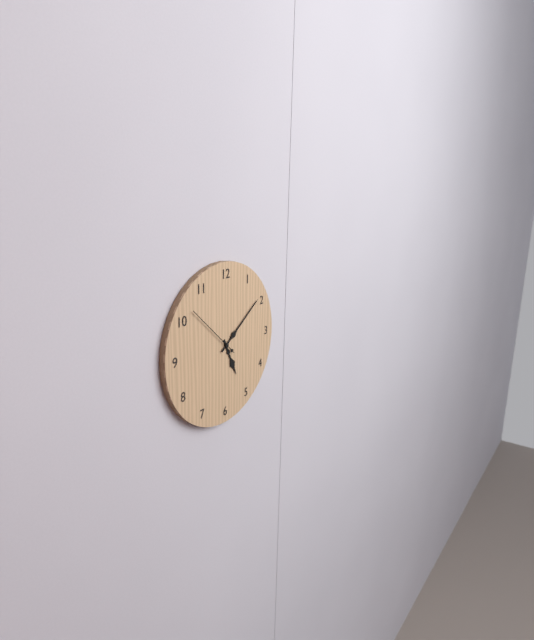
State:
5h09m52s
